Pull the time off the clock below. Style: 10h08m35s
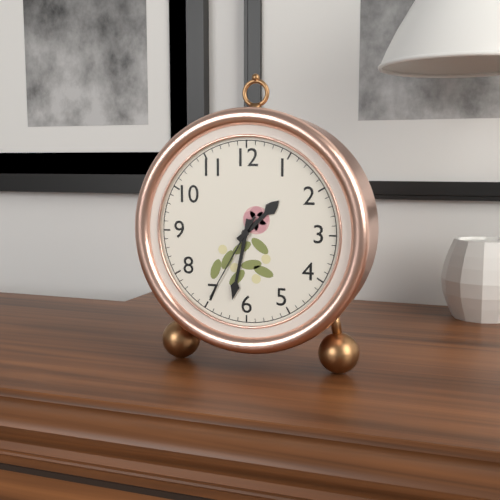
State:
1h32m35s
